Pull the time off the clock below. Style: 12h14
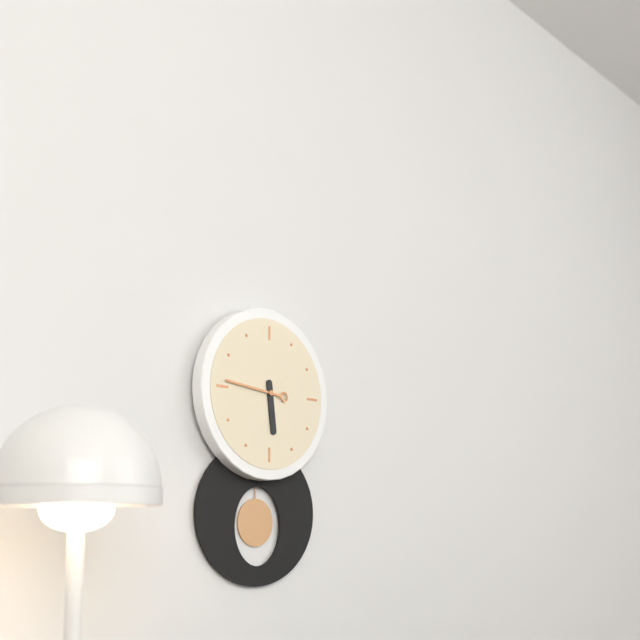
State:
5h46
